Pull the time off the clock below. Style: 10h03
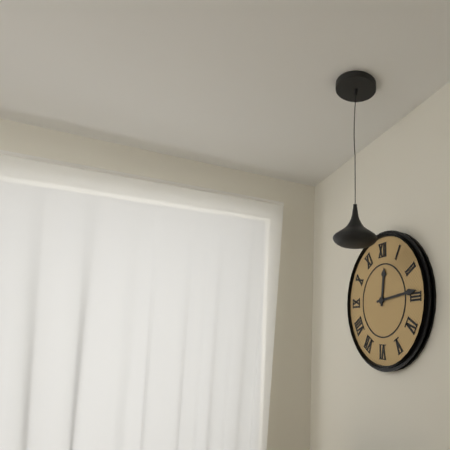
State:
12h14
